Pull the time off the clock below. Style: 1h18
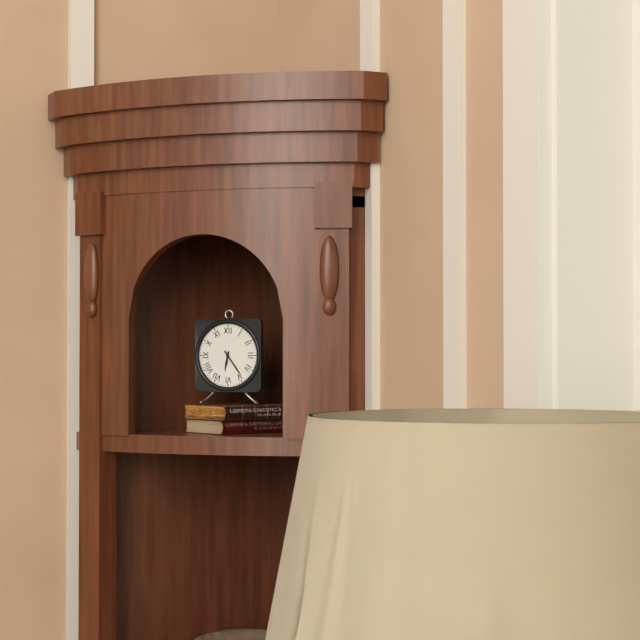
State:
6h24
